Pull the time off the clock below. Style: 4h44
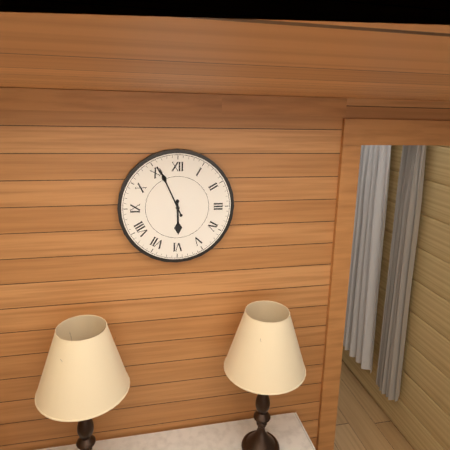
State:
5h56
